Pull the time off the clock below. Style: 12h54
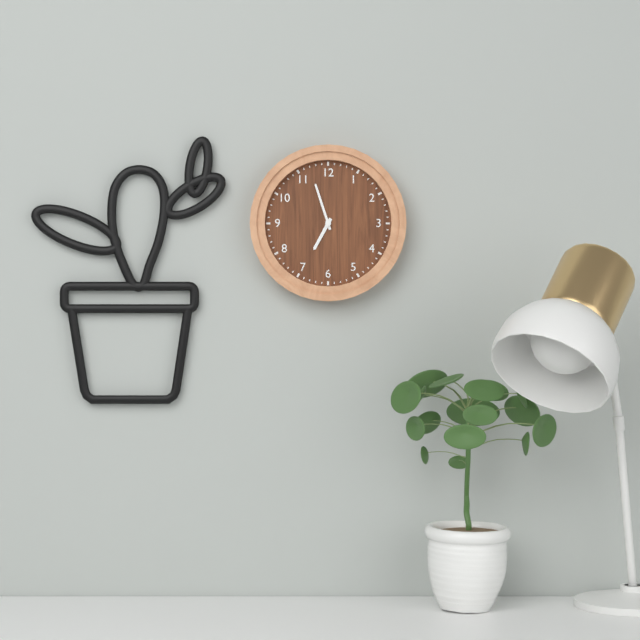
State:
6h57
